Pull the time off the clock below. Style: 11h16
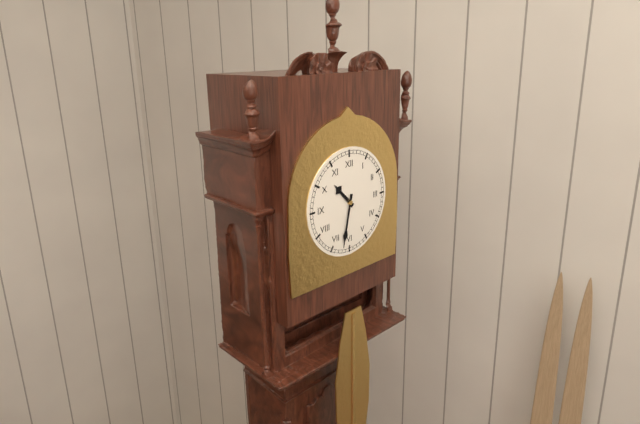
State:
10h32
